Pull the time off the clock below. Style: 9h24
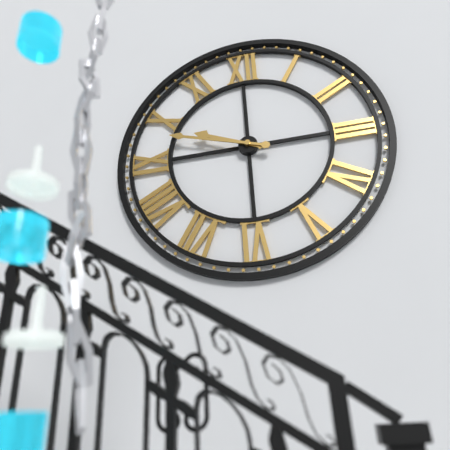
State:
9h48
